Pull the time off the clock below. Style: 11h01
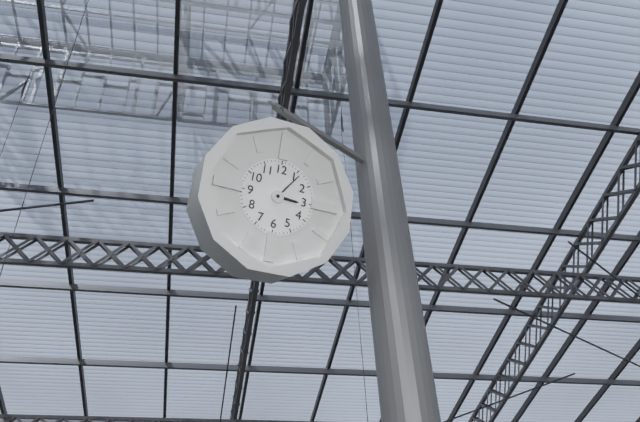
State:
3h06
